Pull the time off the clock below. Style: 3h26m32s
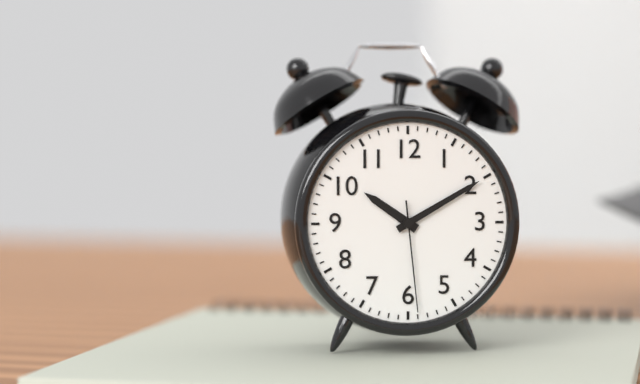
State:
10h10m29s
